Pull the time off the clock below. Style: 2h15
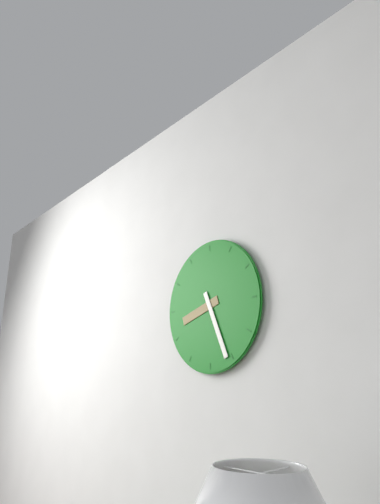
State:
8h26
